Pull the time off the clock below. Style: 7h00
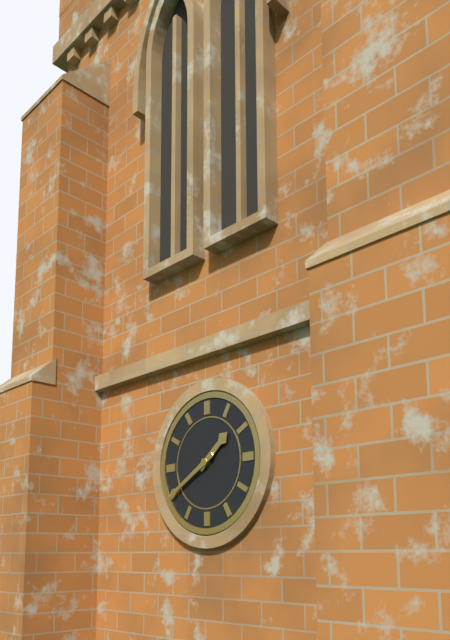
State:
1h40
